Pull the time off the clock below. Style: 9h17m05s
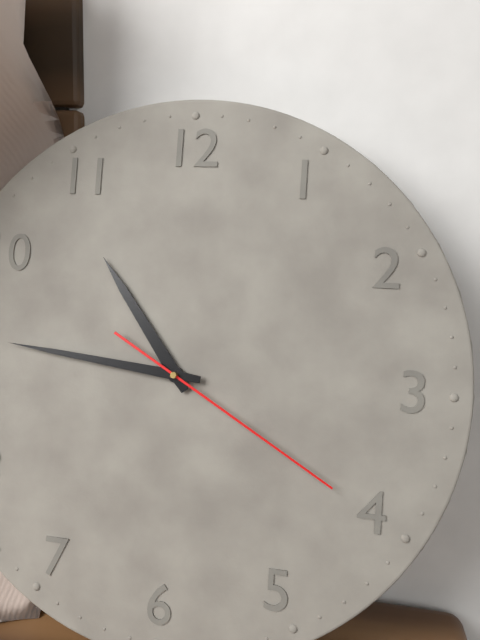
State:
10h46m20s
